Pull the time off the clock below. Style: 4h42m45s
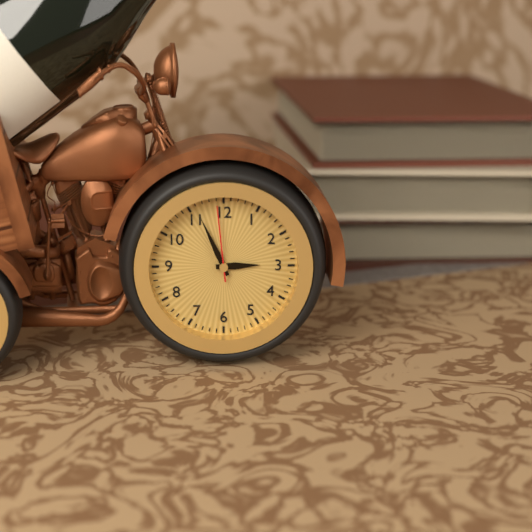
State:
2h56m59s
